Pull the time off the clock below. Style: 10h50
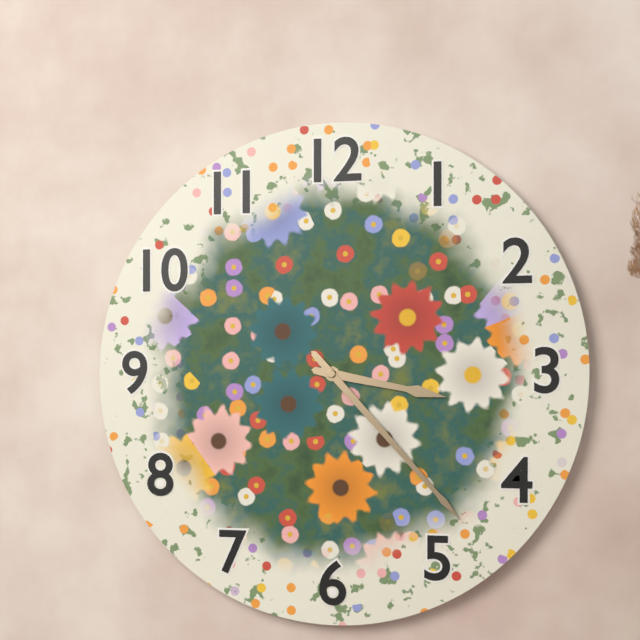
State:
3h23
